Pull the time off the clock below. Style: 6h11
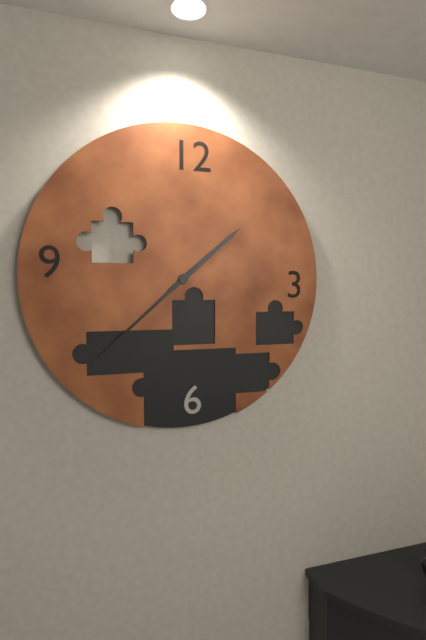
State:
1h38
